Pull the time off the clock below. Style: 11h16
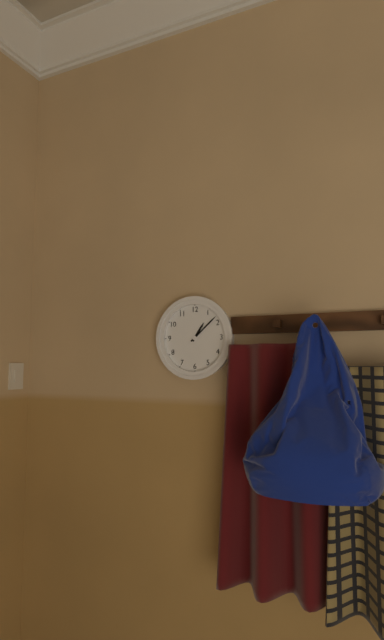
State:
1h08
